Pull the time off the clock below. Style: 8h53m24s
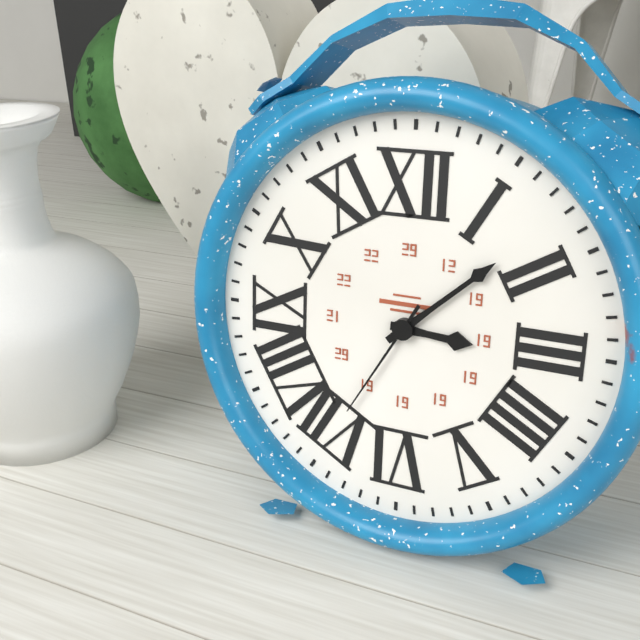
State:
3h08m35s
